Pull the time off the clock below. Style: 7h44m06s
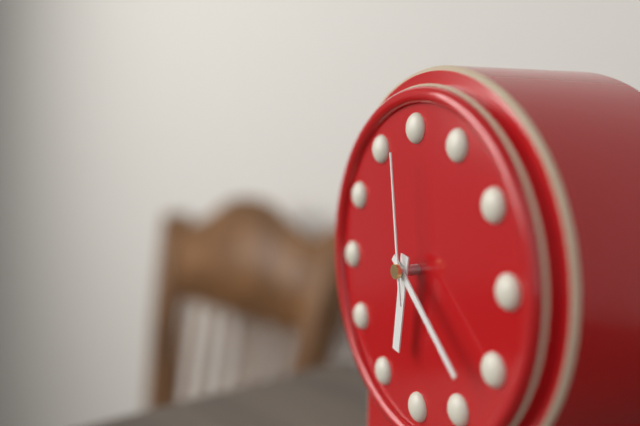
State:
6h22m59s
